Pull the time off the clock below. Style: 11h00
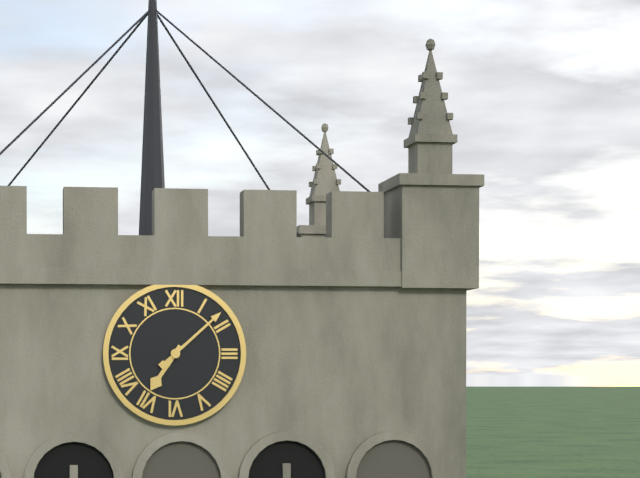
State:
7h08
